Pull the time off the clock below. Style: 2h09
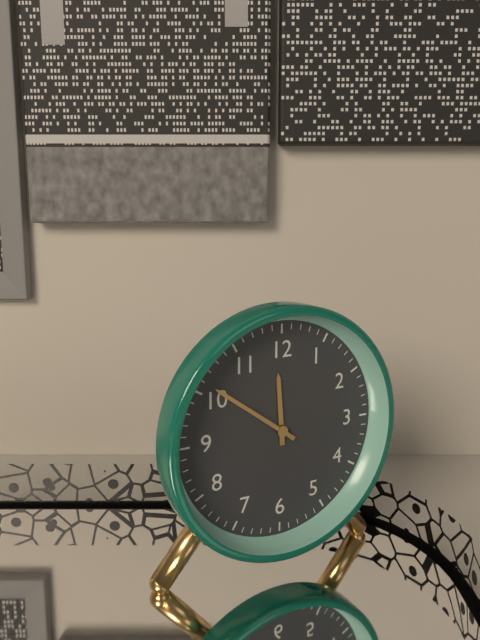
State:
11h51
